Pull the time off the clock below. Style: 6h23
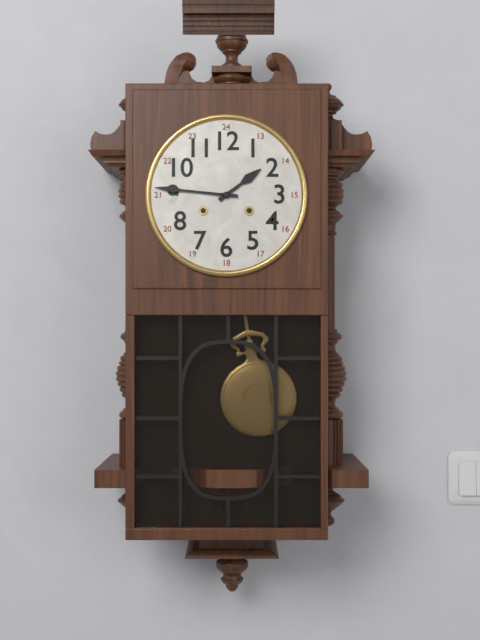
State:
1h46
